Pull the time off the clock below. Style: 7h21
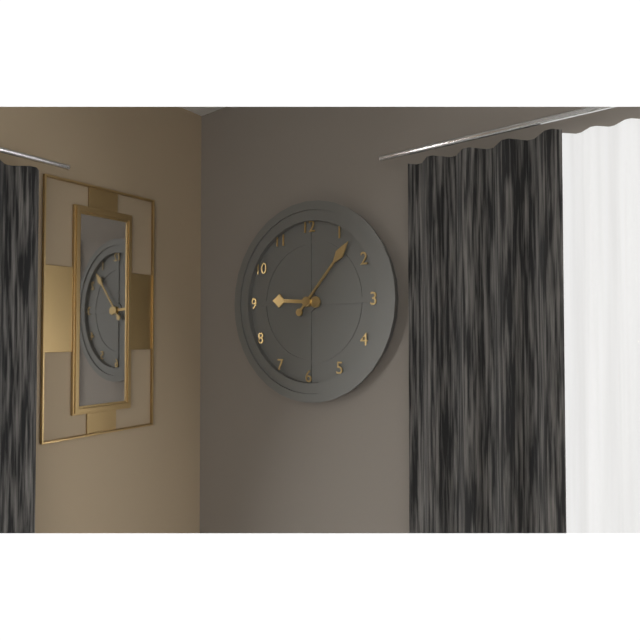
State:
9h07
